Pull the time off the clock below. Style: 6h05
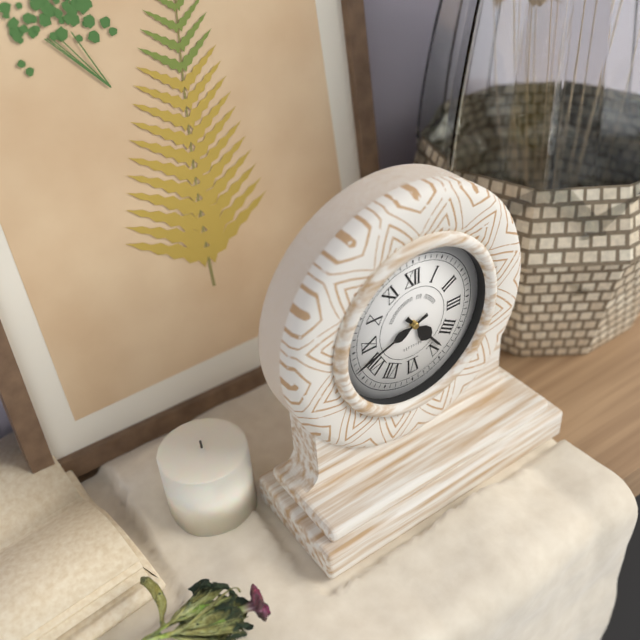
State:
4h42
